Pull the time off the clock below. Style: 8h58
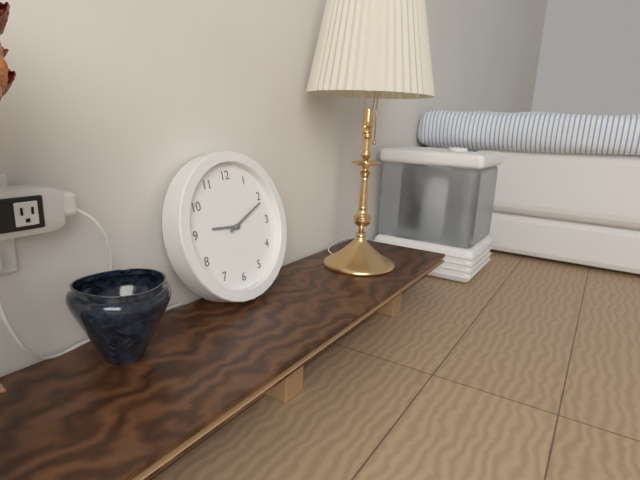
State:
9h11
